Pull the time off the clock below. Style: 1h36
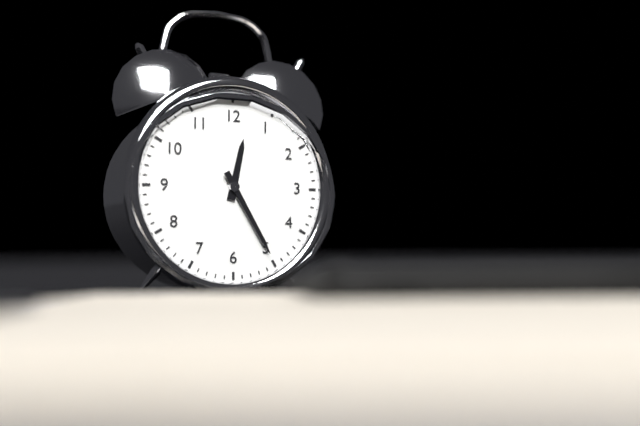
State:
12h25
